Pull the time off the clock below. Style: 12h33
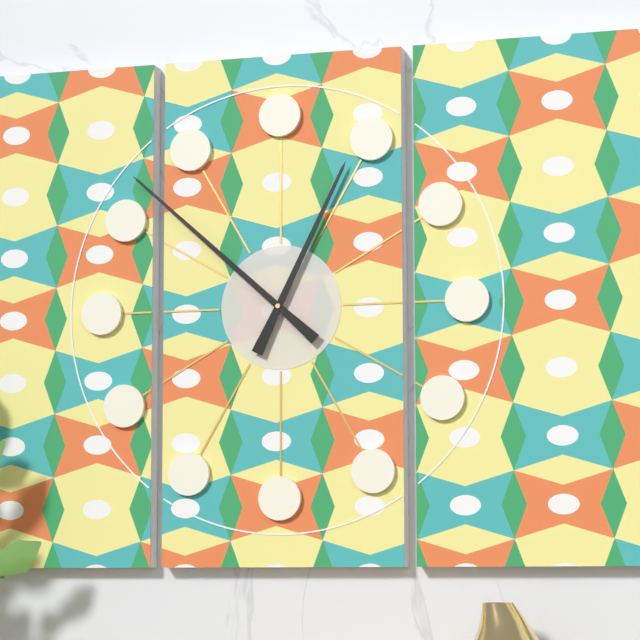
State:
12h52
